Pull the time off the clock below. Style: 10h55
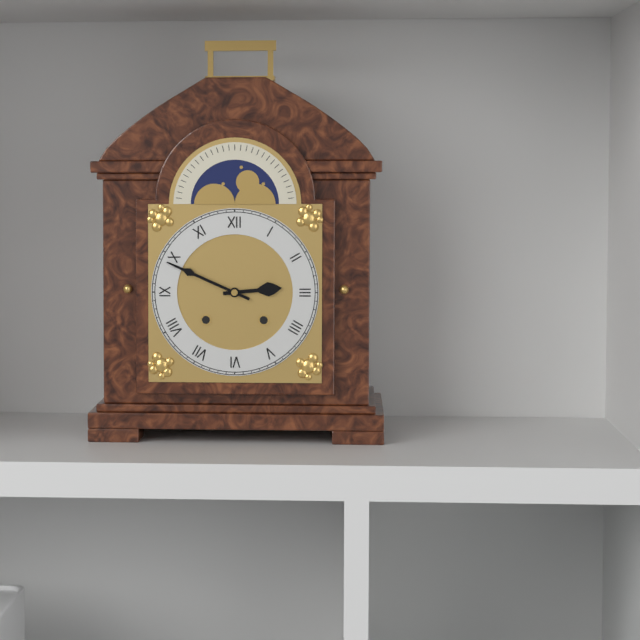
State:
2h49
